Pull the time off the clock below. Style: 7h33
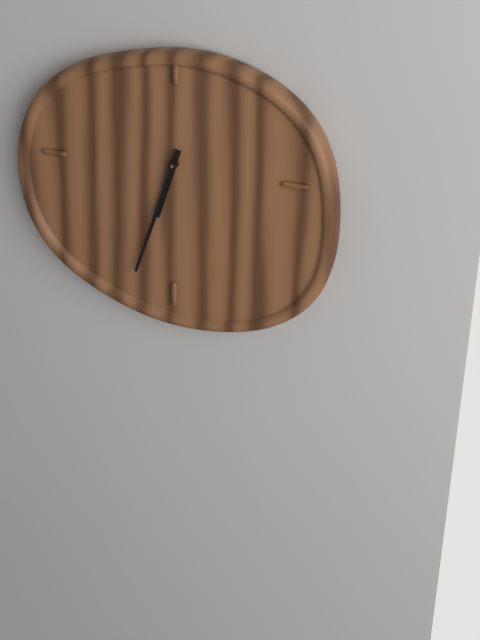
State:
6h33
